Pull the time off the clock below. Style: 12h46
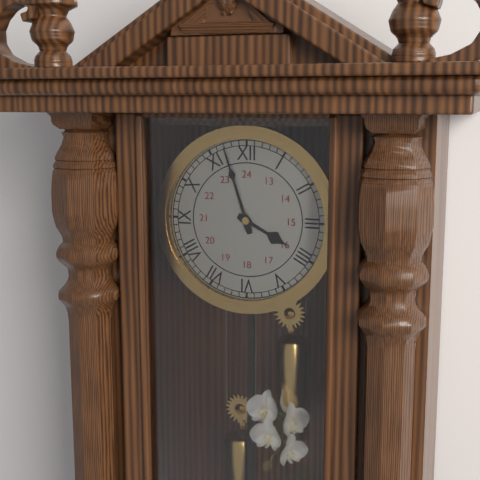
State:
3h57
